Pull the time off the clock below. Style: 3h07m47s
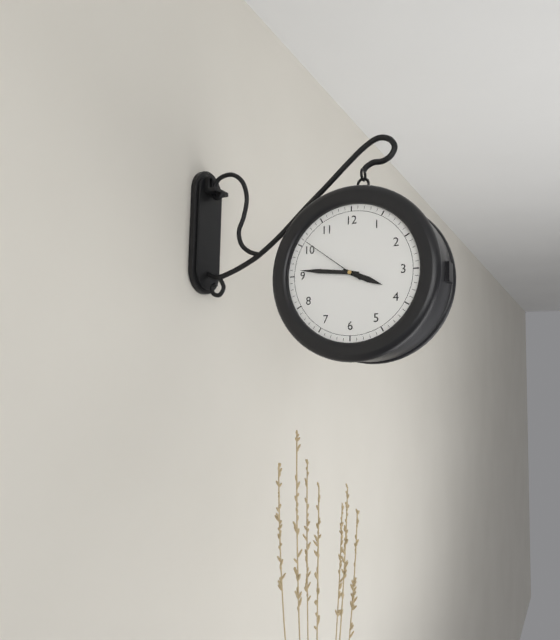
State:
3h46m51s
